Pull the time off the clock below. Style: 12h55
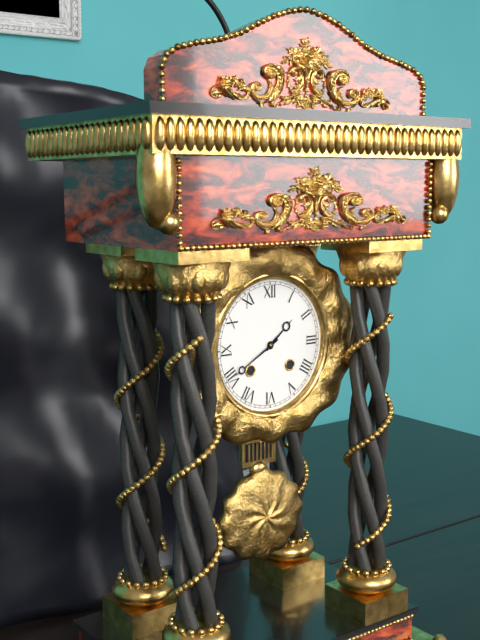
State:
1h40
